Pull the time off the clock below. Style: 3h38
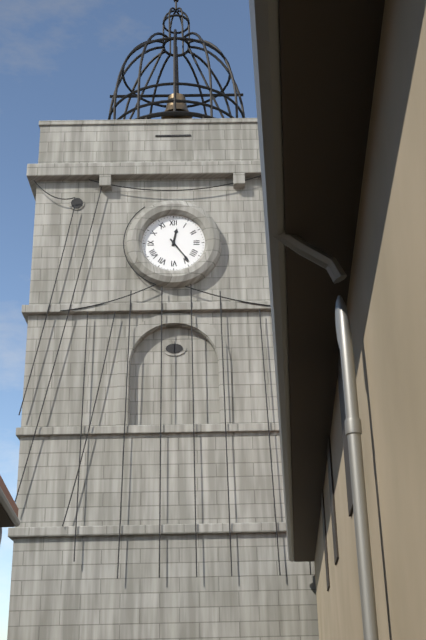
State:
12h24
